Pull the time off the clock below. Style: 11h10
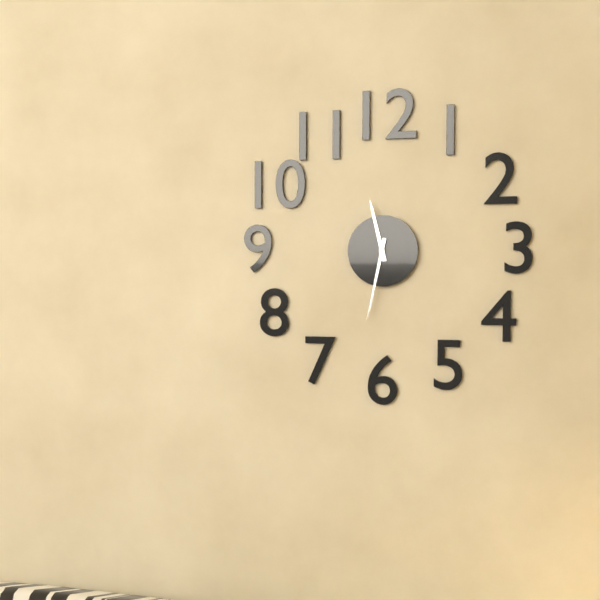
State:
11h32
